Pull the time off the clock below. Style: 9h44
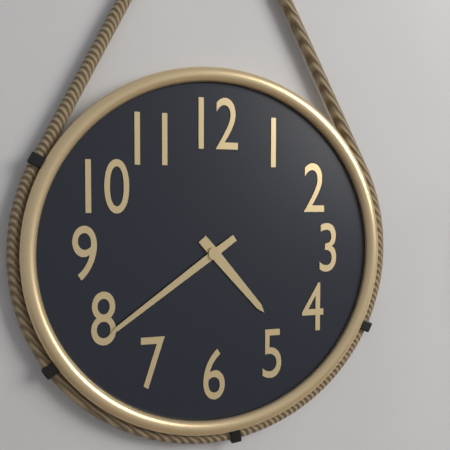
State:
4h39
